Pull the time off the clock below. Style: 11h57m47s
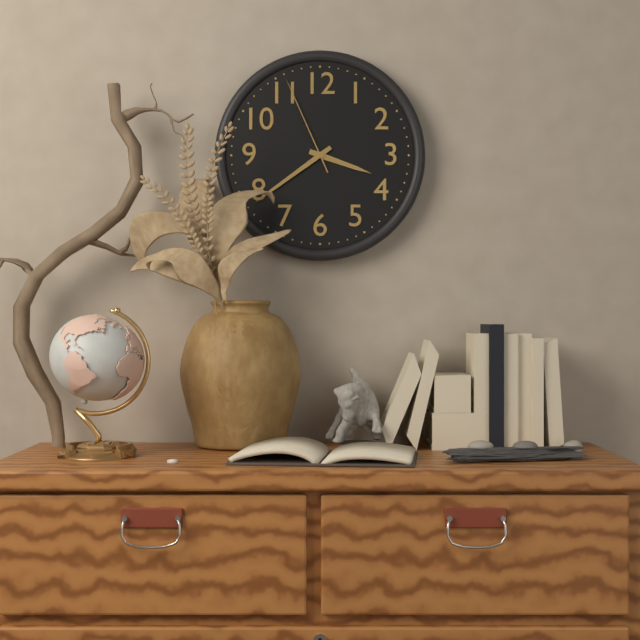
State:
3h39m56s
